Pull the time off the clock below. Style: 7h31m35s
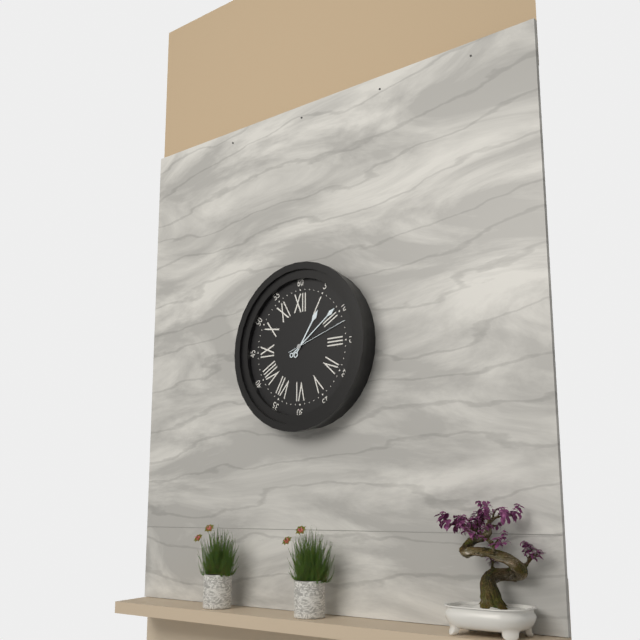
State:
1h09m12s
